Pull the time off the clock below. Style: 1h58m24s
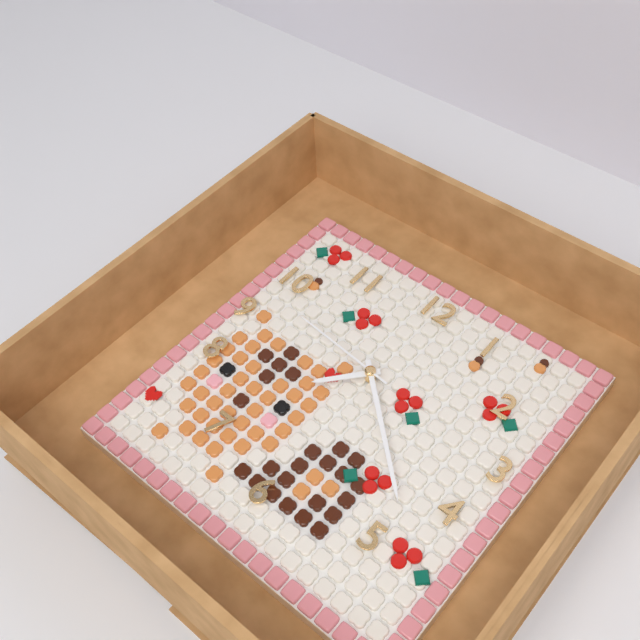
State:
7h22m46s
